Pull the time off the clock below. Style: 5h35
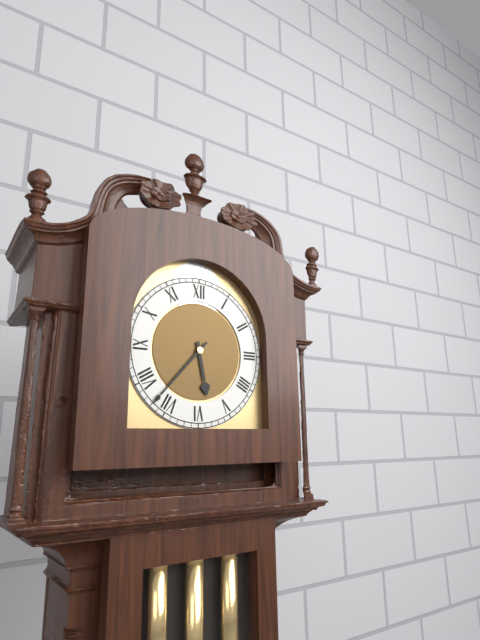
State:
5h37
